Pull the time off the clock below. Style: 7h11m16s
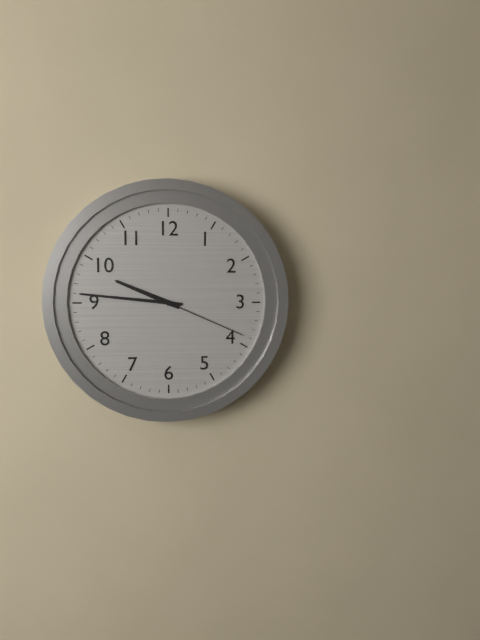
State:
9h46m19s
